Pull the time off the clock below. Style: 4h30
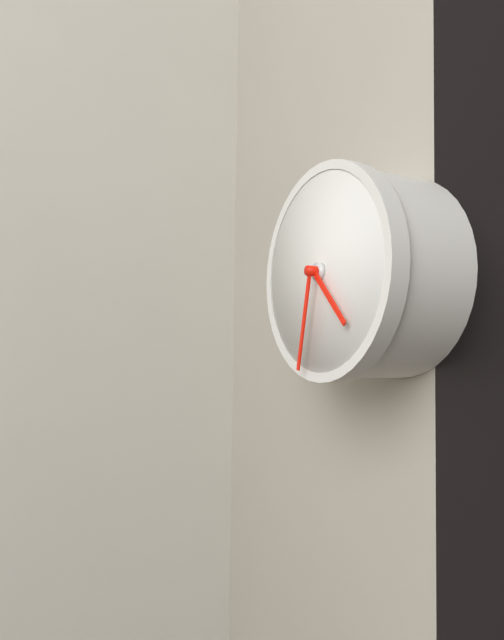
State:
4h32
